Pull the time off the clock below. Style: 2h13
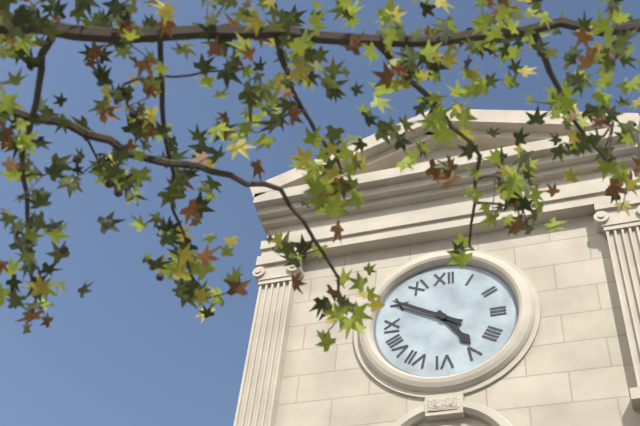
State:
4h50
